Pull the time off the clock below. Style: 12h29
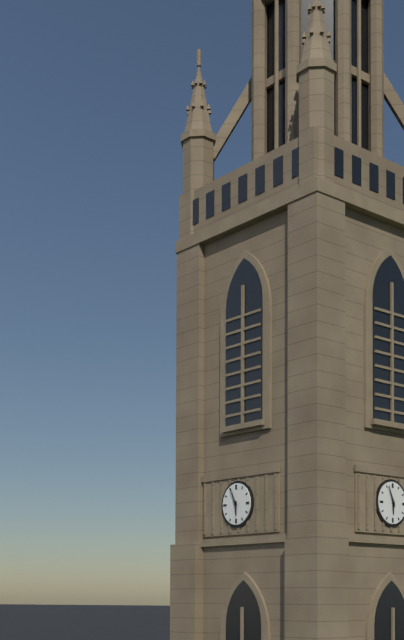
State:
5h56
